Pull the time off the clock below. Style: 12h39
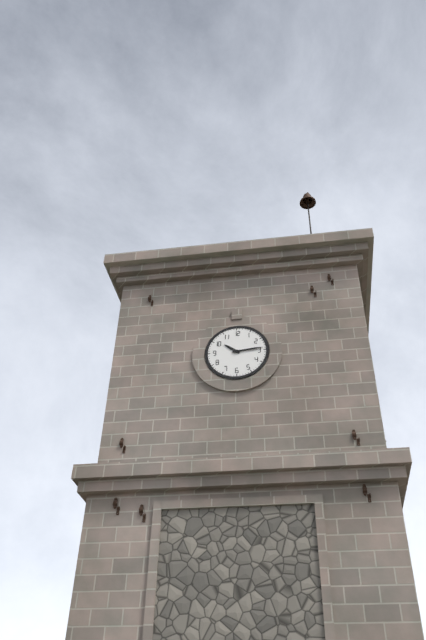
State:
10h14
